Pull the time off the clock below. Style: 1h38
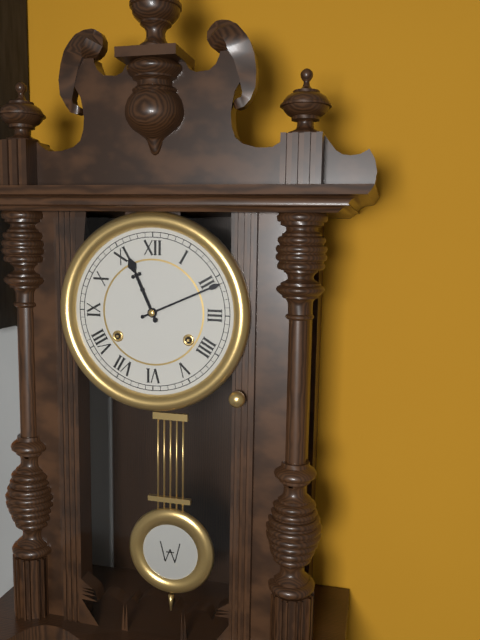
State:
11h11
